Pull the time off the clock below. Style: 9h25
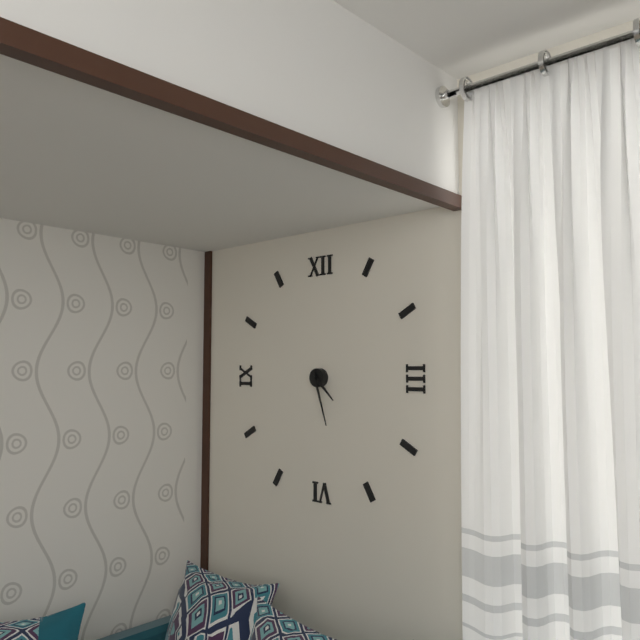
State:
4h27
